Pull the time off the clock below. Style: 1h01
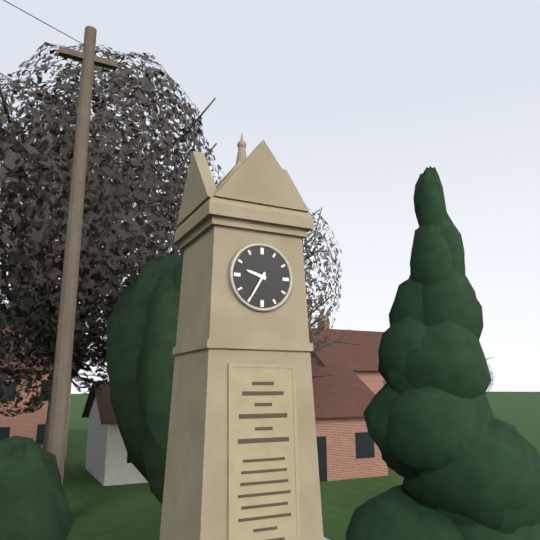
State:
9h35
